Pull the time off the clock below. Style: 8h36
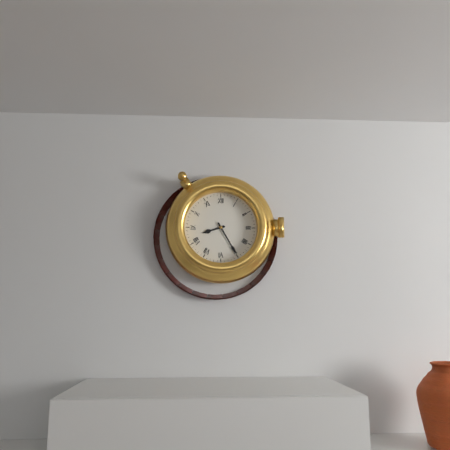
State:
8h25
